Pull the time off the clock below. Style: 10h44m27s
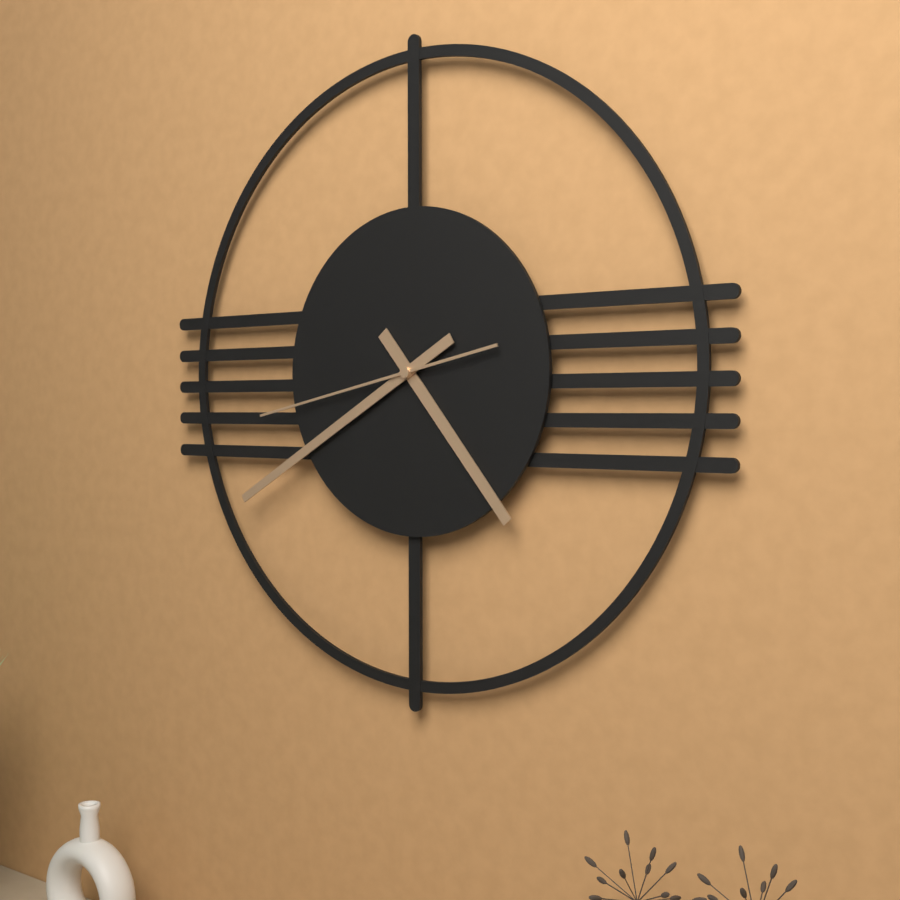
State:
4h40m43s
